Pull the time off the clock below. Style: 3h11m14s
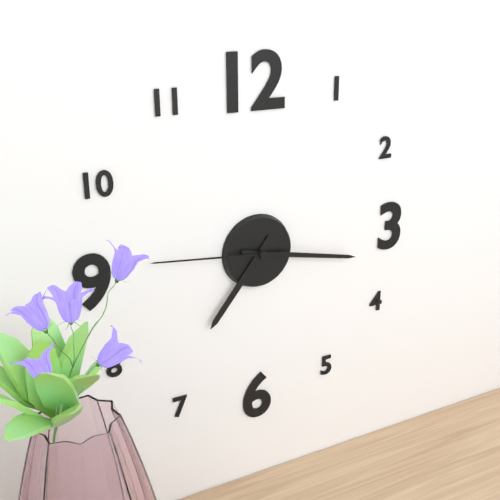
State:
7h17m46s
